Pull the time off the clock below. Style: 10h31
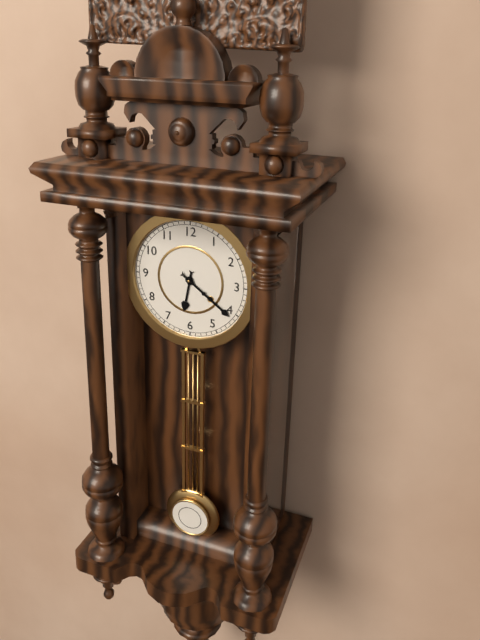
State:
6h21
